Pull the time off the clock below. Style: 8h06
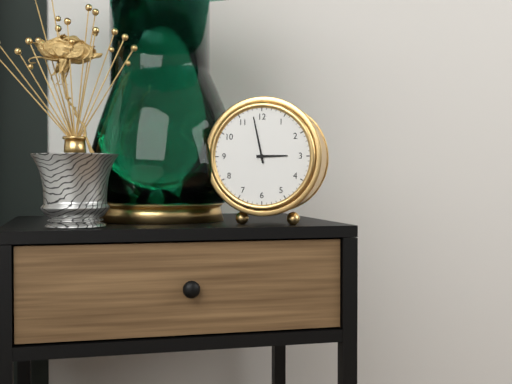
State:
2h58
